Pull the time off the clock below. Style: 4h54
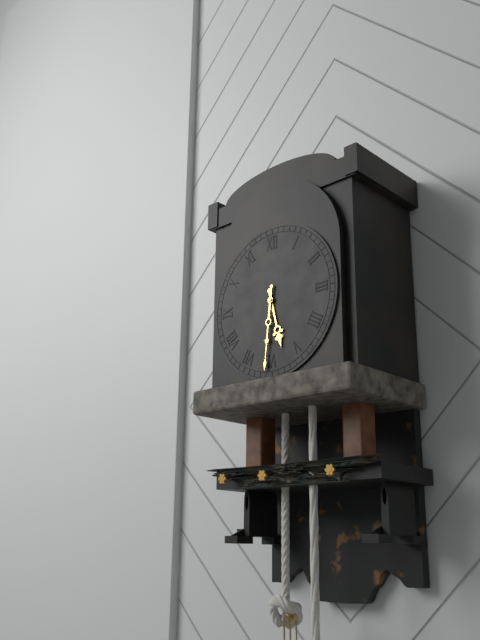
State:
5h31
